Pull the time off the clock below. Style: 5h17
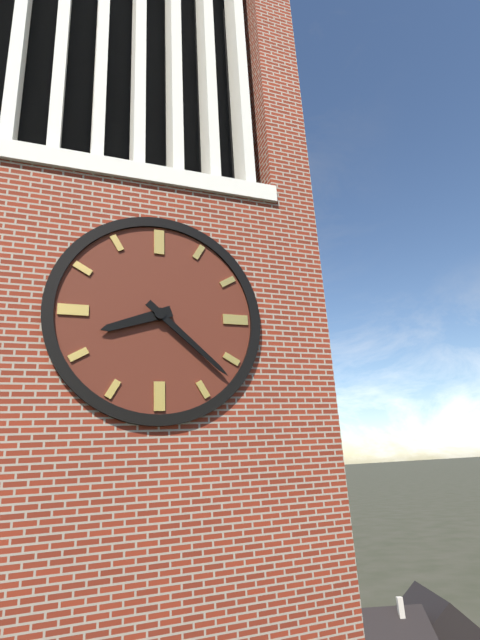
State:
8h22
